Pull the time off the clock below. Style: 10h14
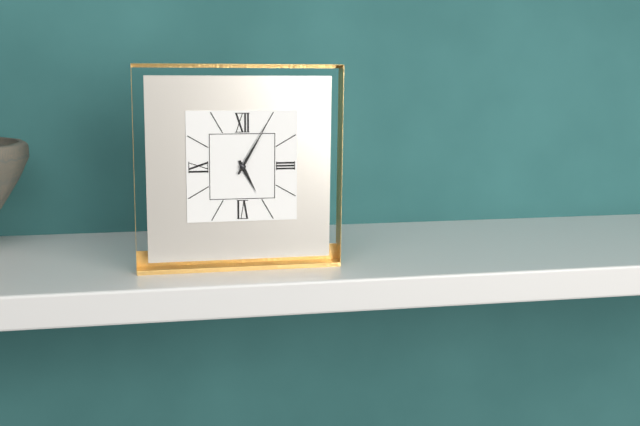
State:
5h05
